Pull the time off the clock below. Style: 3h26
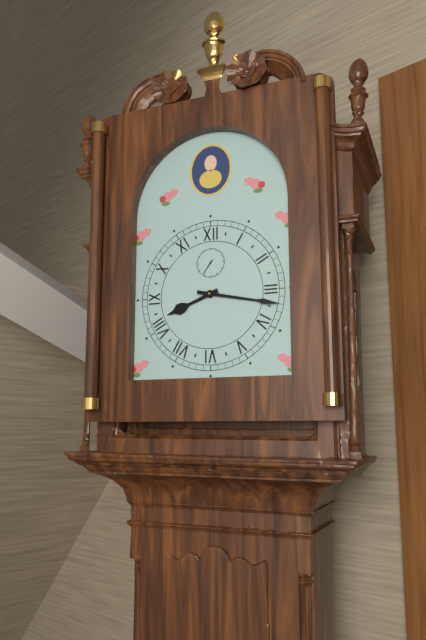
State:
8h17
